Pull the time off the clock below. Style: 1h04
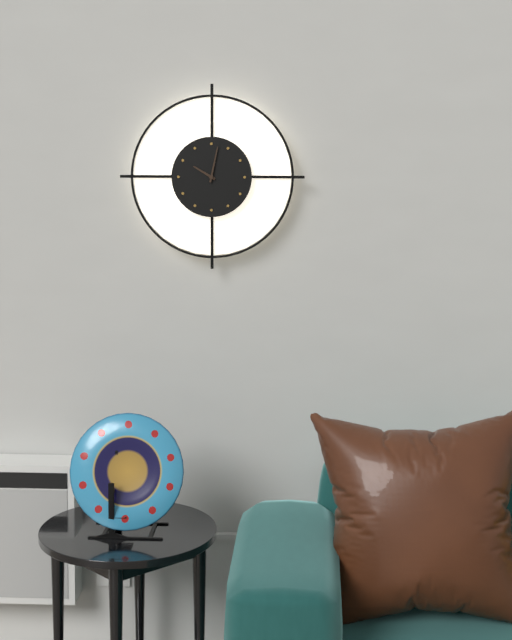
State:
10h02
